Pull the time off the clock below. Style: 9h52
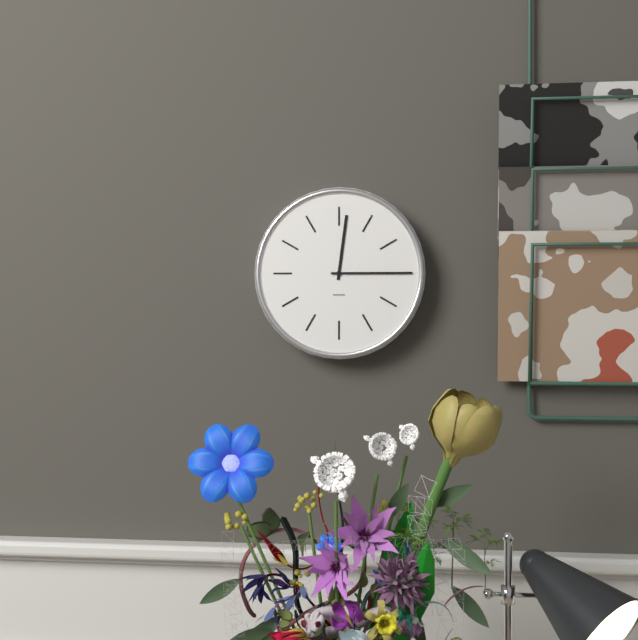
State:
12h15
